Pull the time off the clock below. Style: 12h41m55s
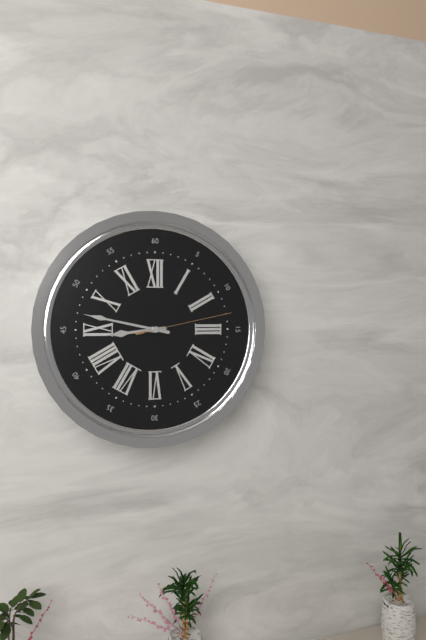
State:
8h47m13s
